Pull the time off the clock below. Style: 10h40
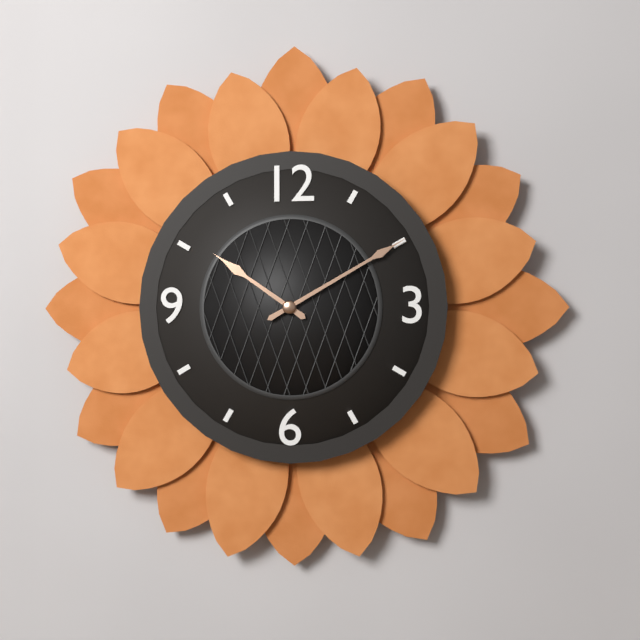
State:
10h10
